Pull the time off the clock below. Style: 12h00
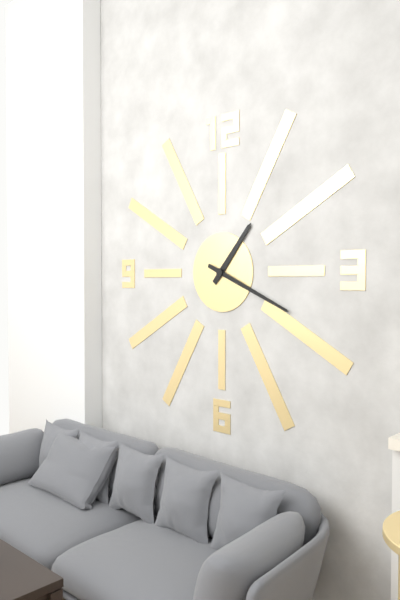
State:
1h19
